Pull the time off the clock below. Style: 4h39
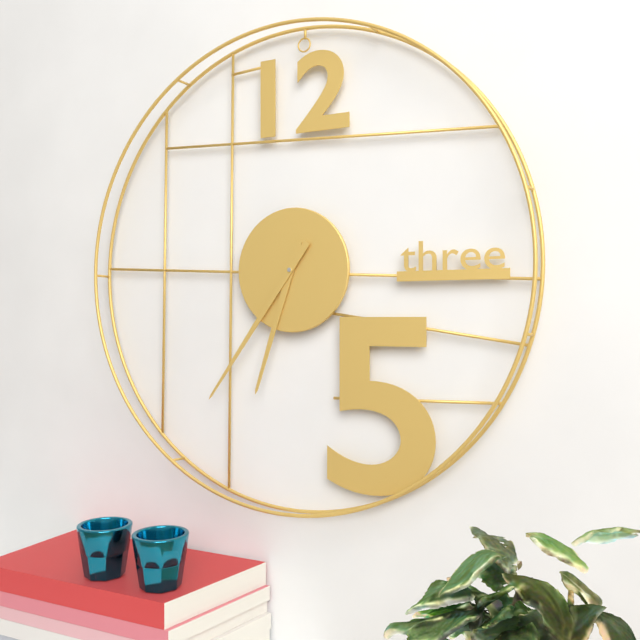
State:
6h36
